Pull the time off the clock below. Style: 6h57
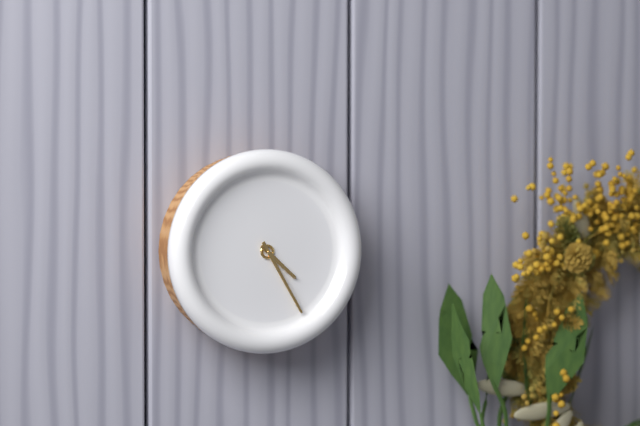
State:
4h25
